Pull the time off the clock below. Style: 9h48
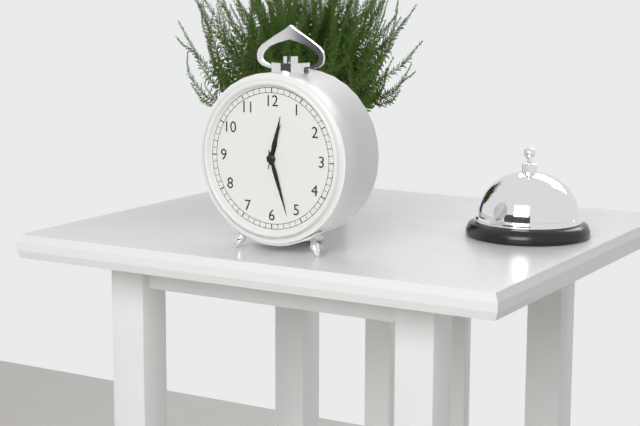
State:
12h27
